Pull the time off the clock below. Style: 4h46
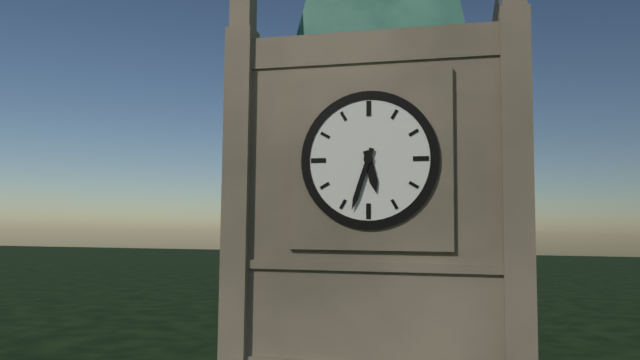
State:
5h33
